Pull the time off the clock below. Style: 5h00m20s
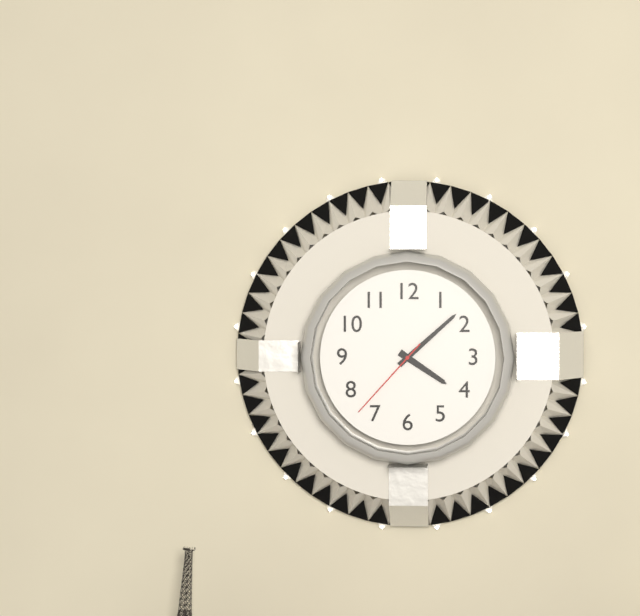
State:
4h08m37s
